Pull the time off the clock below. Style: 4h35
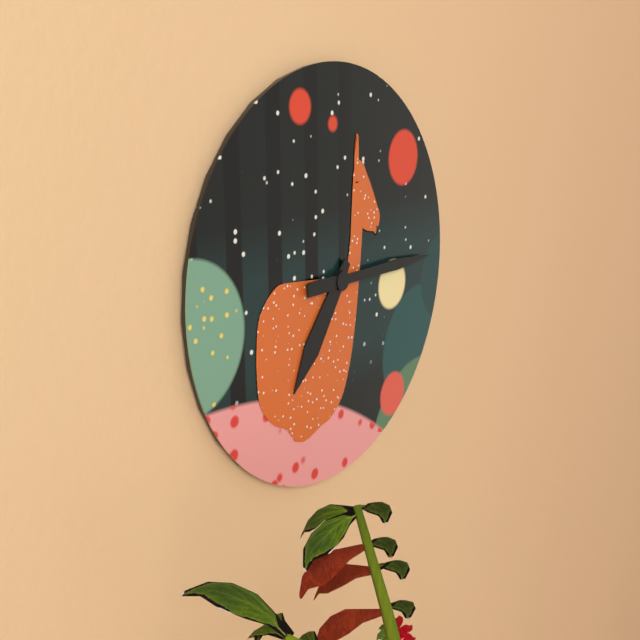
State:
7h15
